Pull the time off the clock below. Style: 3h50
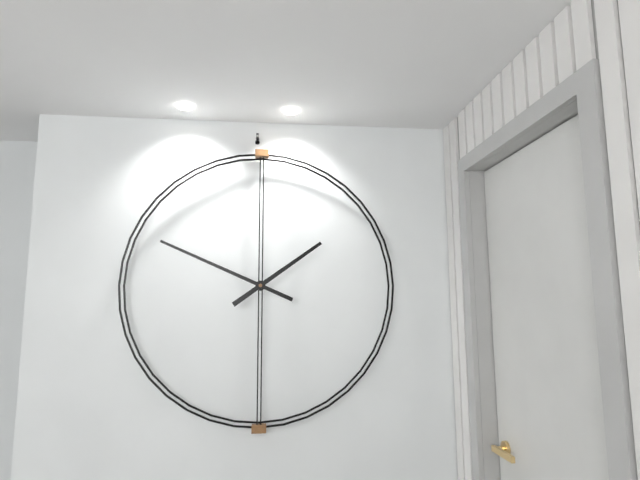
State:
1h49
